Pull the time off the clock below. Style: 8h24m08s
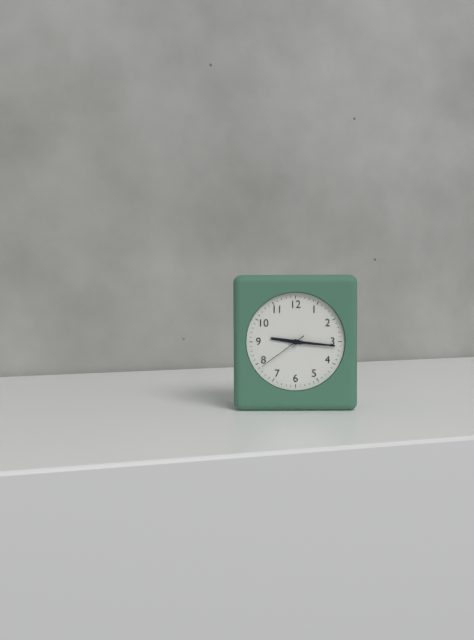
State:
9h16m39s
